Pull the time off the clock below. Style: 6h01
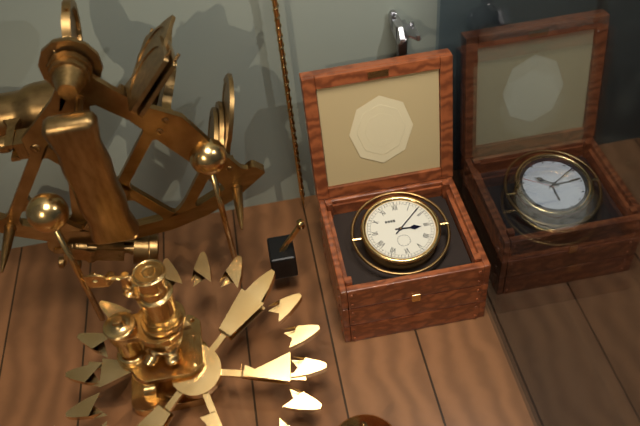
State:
3h08
